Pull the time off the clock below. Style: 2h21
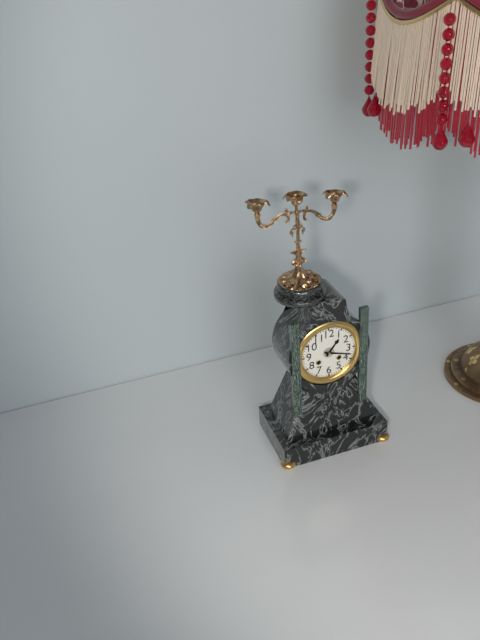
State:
1h18
